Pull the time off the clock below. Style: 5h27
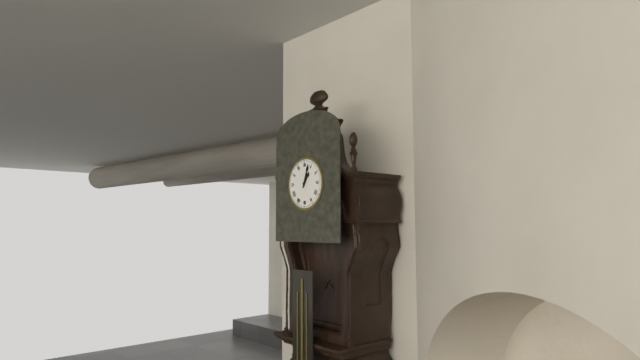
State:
1h03
